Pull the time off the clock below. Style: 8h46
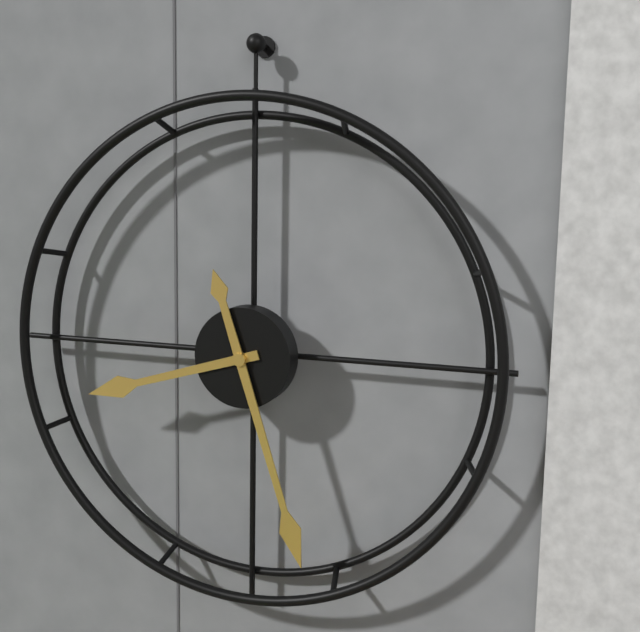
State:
8h27
